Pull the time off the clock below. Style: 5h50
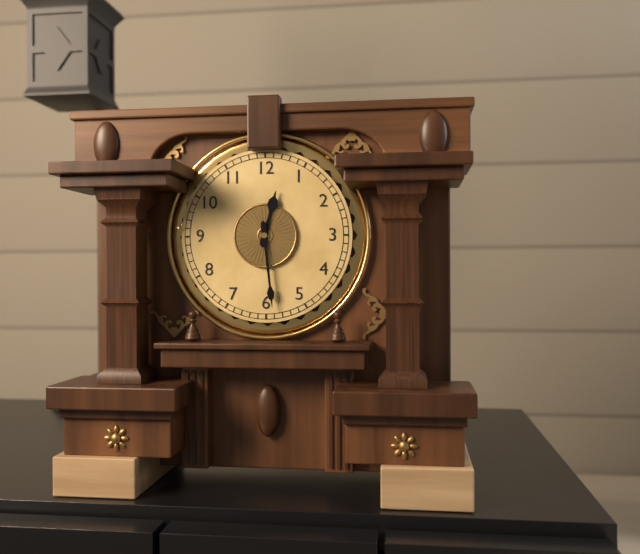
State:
12h29
